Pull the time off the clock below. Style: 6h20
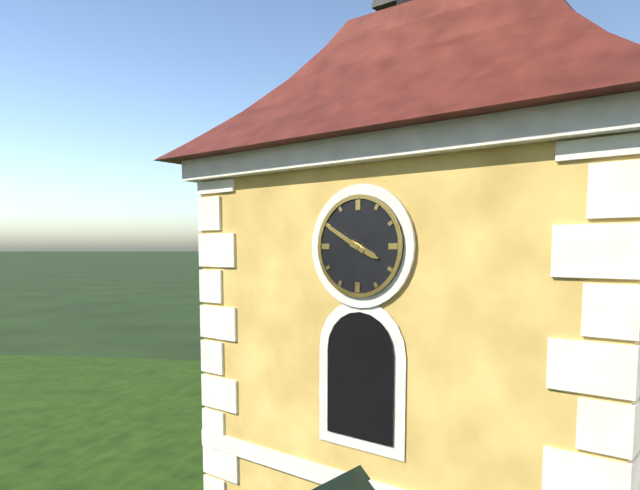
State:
3h50
